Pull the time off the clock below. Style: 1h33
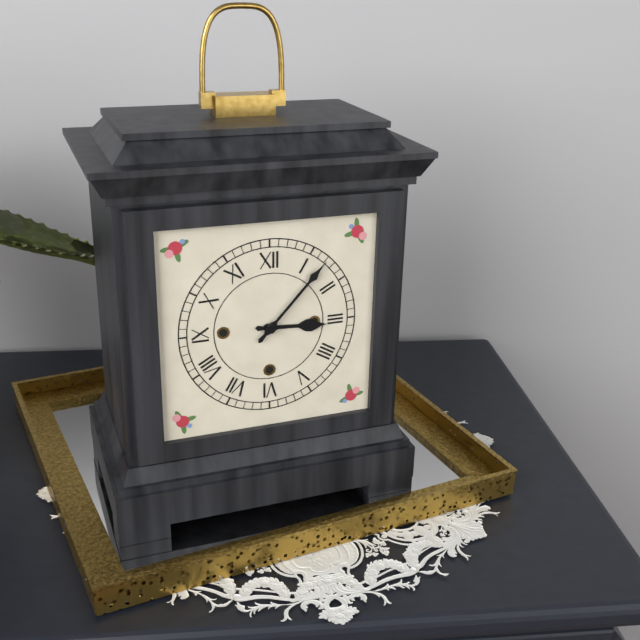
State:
3h07
